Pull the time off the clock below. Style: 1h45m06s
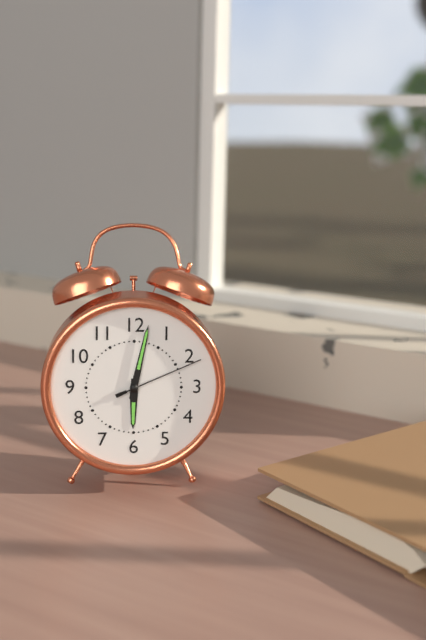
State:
6h02m11s
